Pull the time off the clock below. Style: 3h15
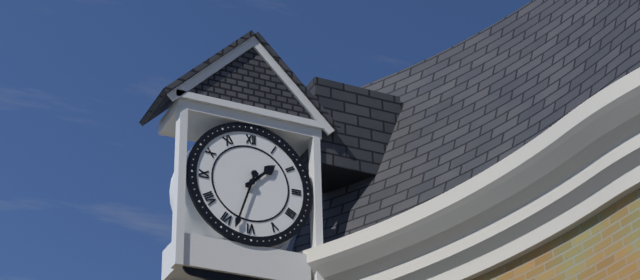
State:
1h33
